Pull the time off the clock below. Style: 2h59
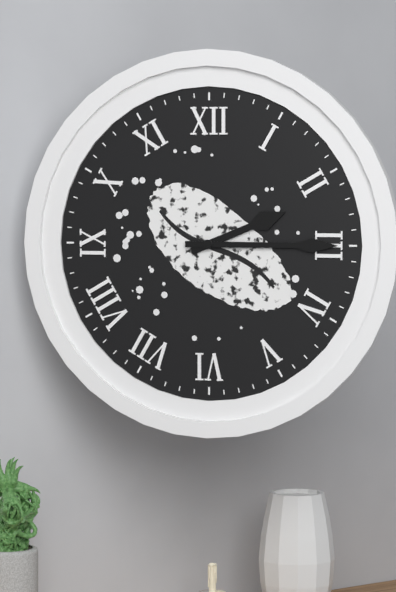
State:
2h15
